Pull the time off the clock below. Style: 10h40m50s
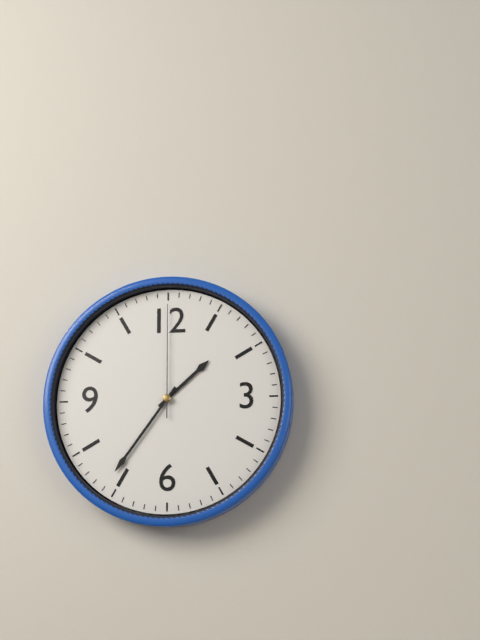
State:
1h36m00s
